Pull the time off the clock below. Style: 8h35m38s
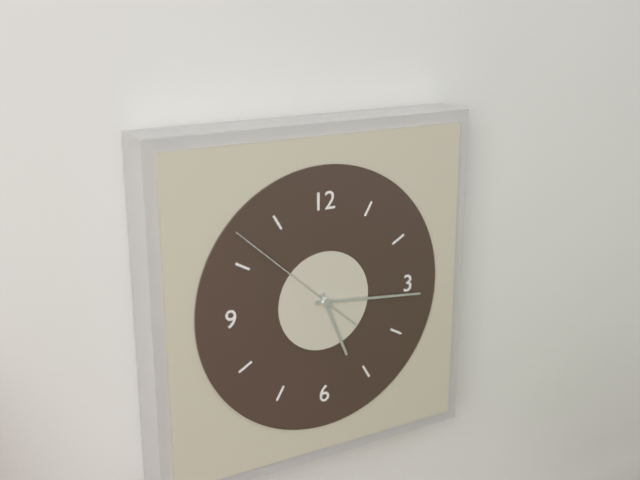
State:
5h16m52s
